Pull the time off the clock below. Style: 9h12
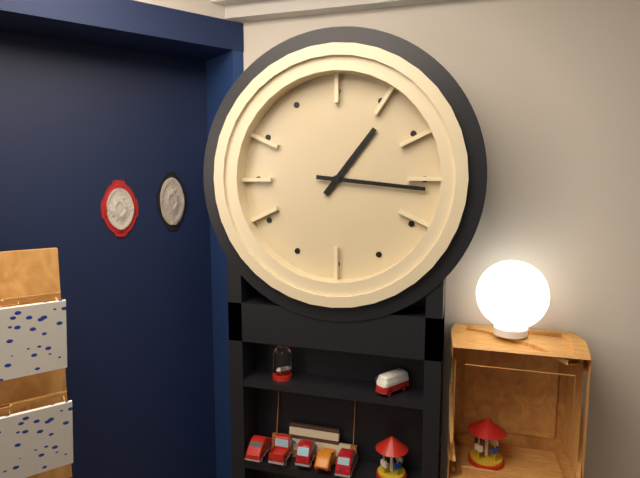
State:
1h16
